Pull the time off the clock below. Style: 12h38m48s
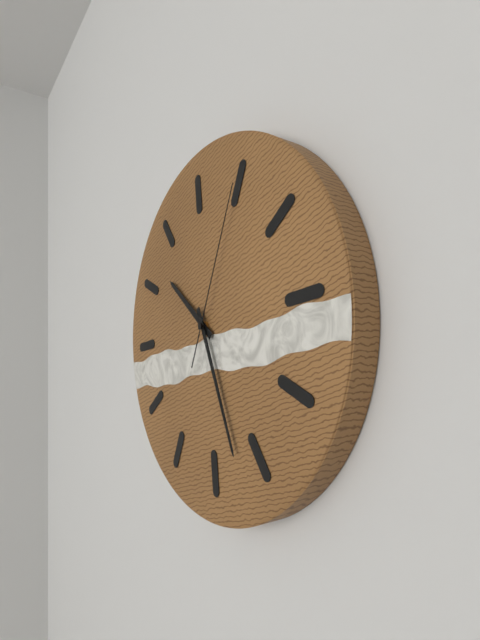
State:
10h27m05s
